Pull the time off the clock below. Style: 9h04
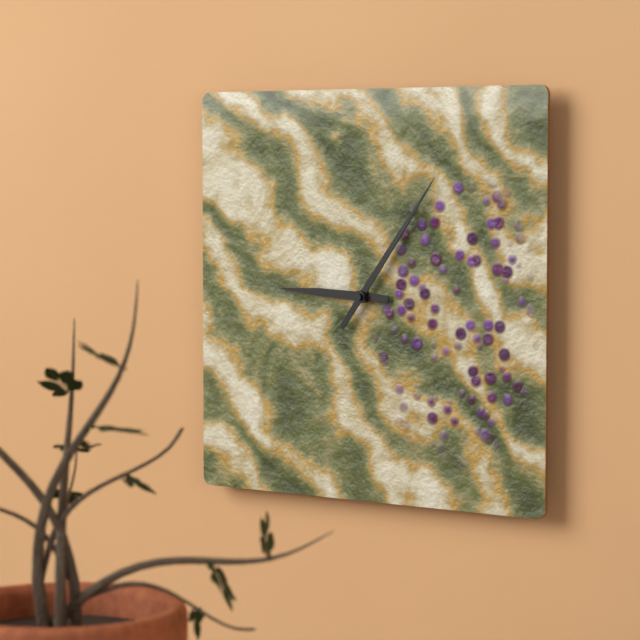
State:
9h06
